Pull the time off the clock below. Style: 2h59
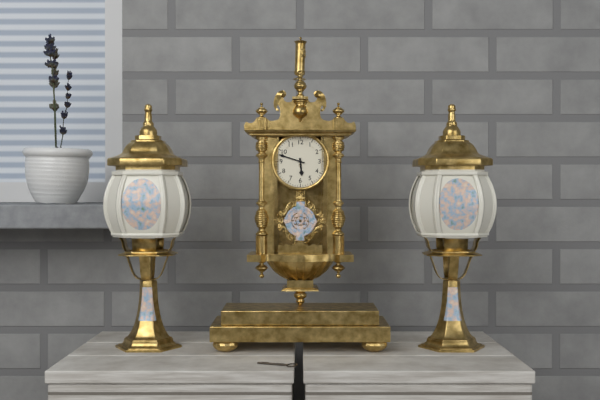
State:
5h48
